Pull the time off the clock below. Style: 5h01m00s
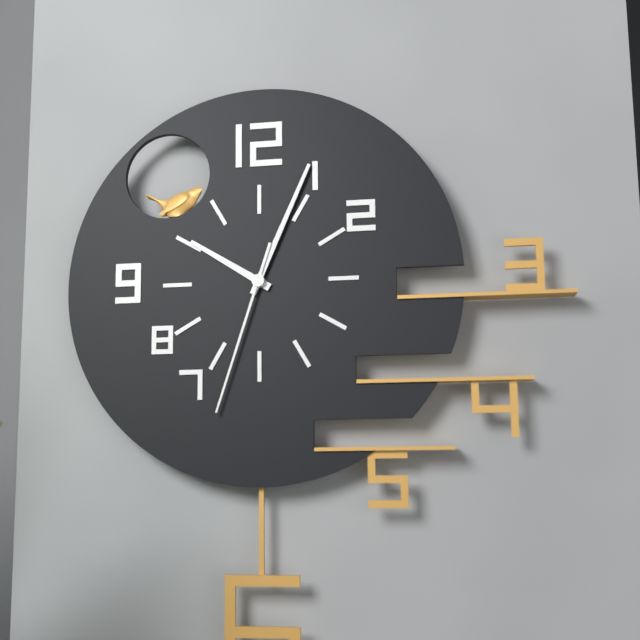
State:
10h04m33s
